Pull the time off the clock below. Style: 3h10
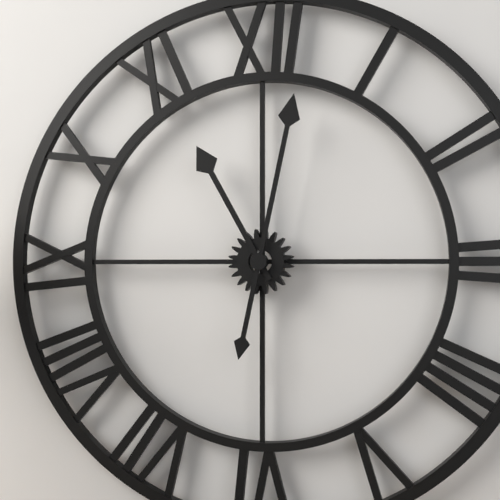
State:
11h02
